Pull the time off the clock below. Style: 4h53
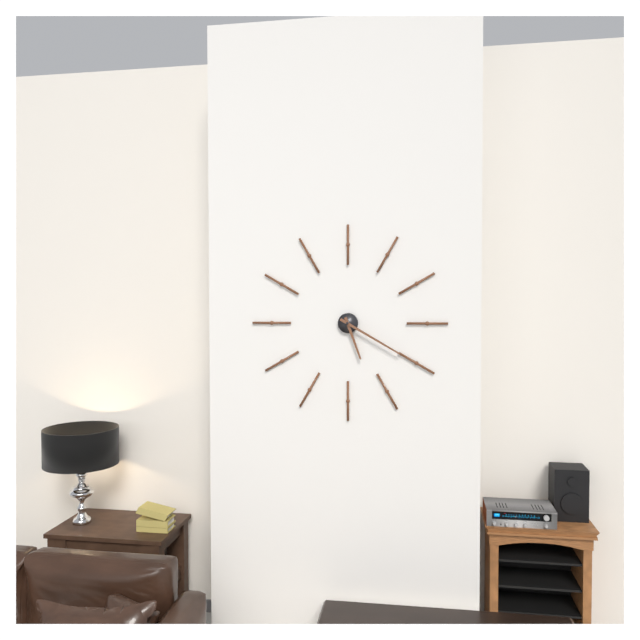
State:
5h20
